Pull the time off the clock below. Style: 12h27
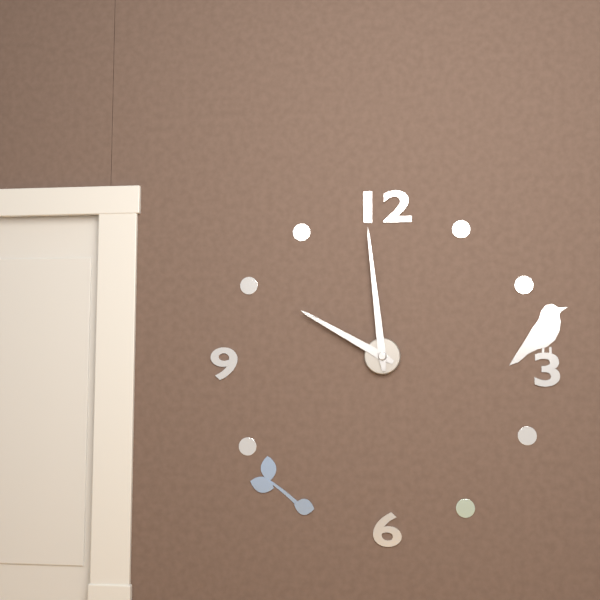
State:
9h59
